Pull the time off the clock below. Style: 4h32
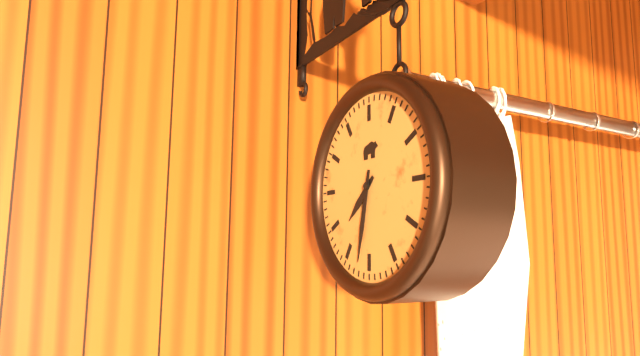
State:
7h32
